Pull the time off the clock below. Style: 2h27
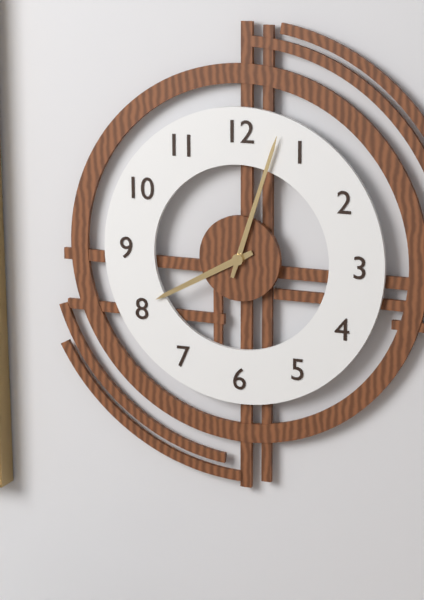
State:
8h03
